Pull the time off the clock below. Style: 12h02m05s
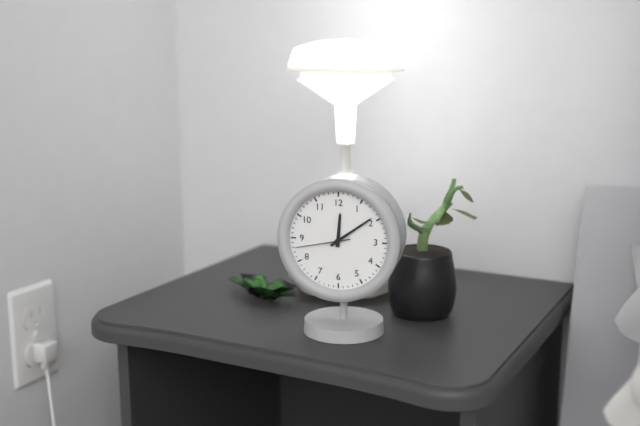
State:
12h09m43s
